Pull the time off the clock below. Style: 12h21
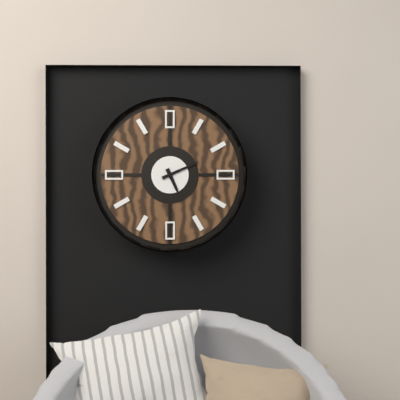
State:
5h11
